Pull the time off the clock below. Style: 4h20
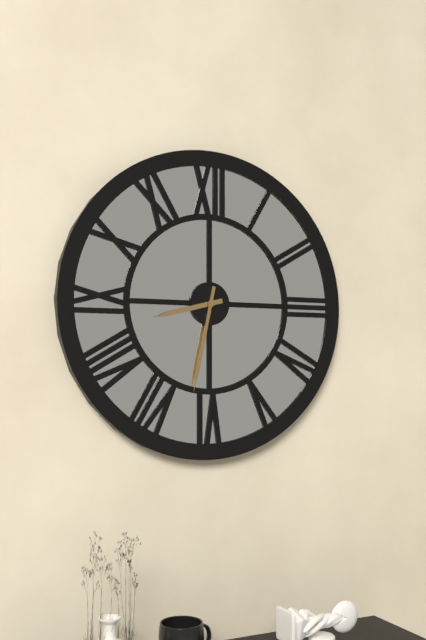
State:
8h32
